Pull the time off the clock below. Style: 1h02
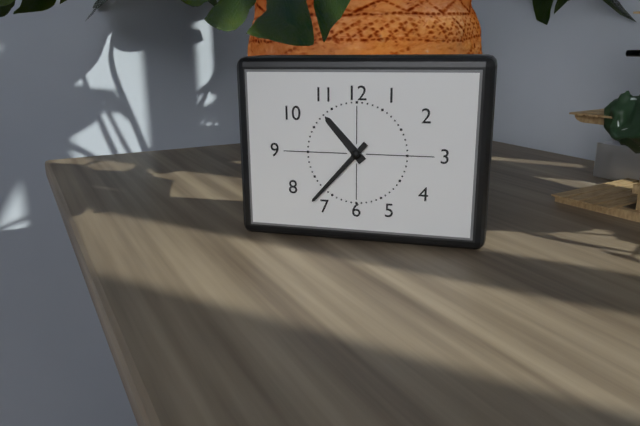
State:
10h37
